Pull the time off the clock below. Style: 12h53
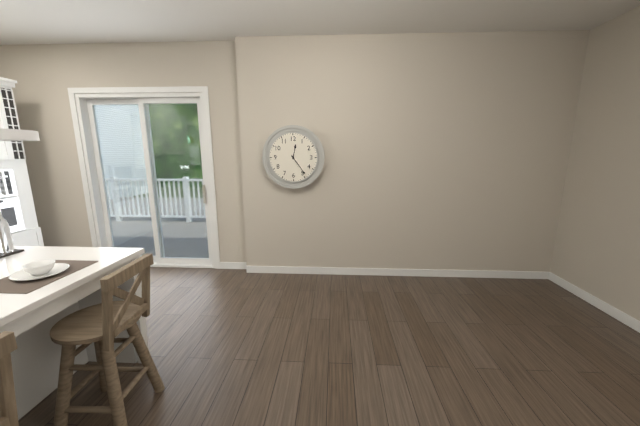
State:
12h24
